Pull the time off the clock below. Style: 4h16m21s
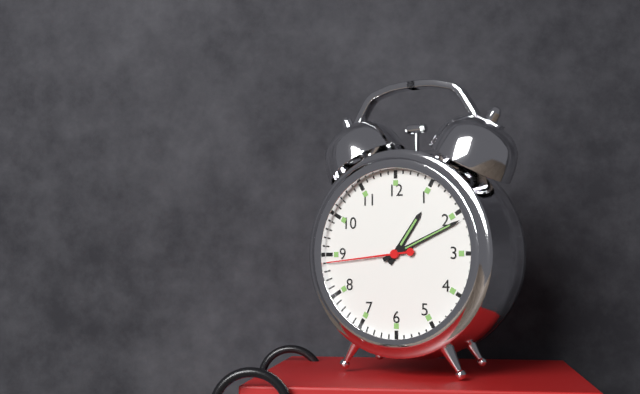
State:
1h11m44s
